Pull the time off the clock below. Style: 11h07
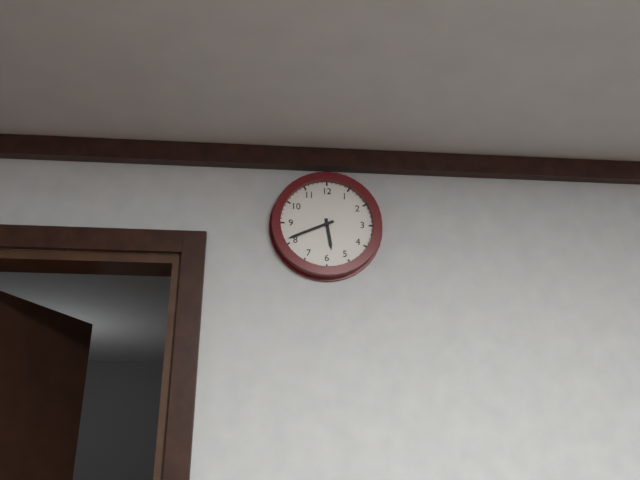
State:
5h41
